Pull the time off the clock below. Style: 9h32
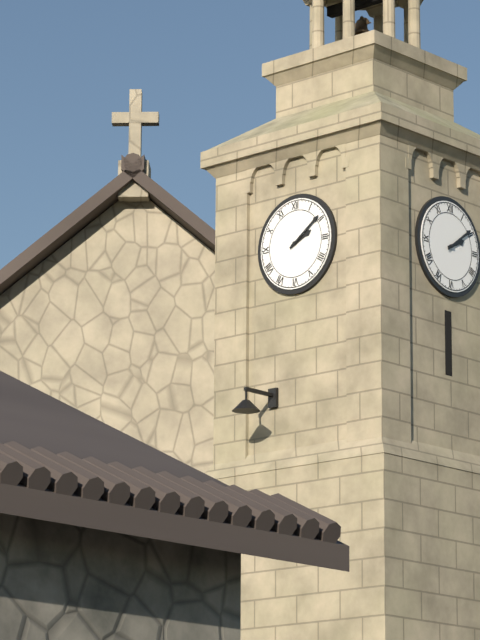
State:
2h09
